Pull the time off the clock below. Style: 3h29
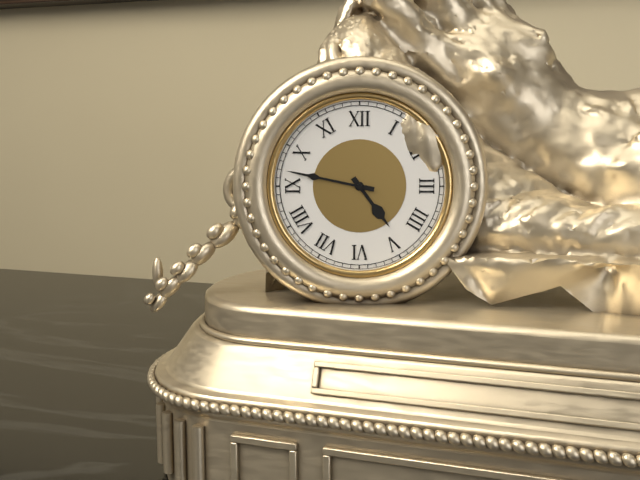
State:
4h47
